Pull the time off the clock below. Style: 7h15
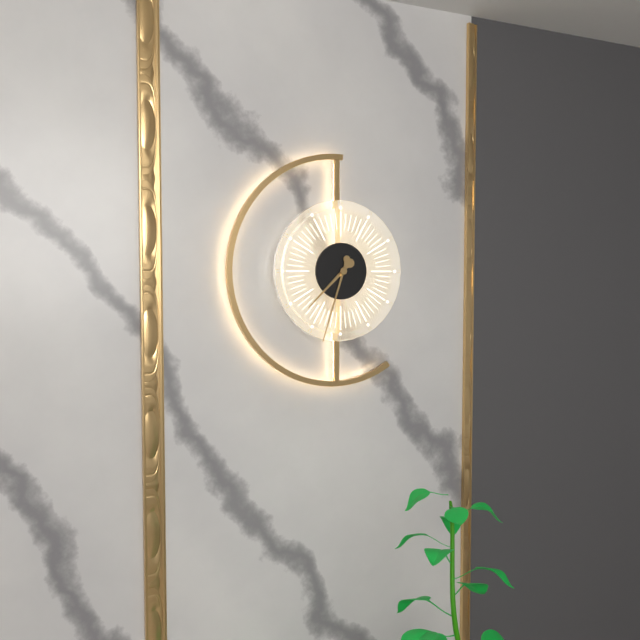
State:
7h33
